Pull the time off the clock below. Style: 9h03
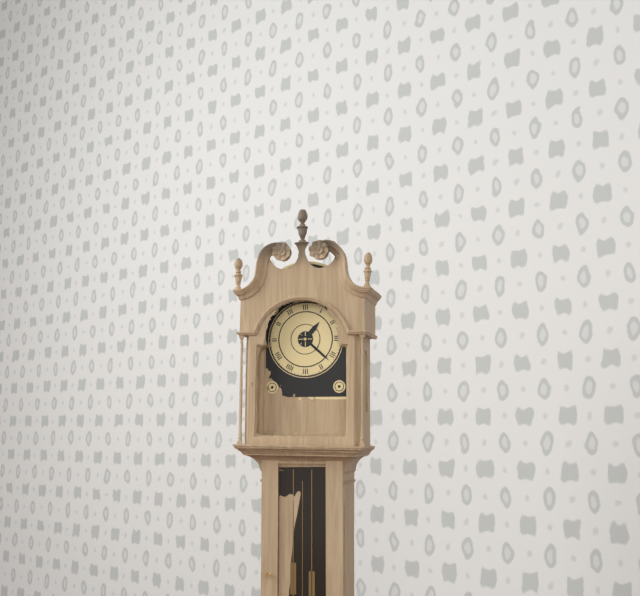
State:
1h22
